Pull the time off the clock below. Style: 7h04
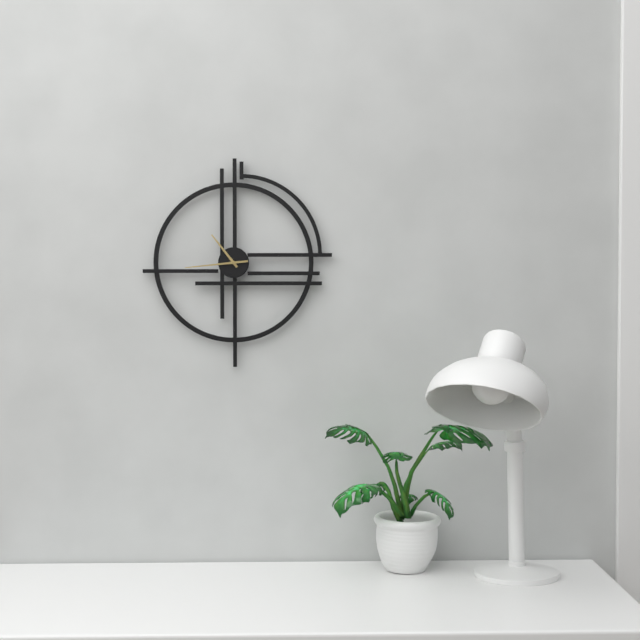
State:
10h44
